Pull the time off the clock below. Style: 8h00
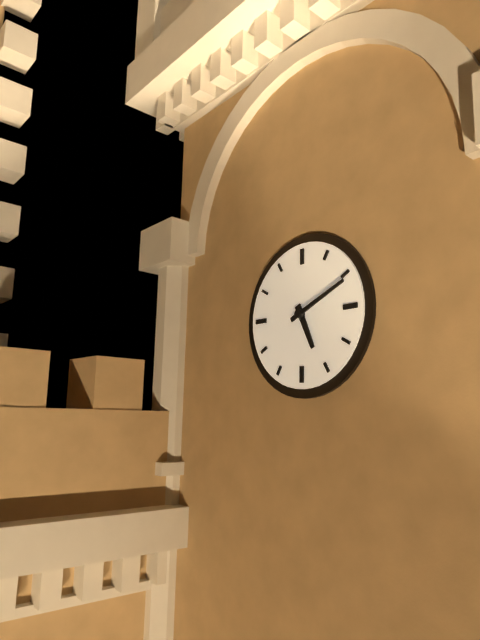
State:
5h11
